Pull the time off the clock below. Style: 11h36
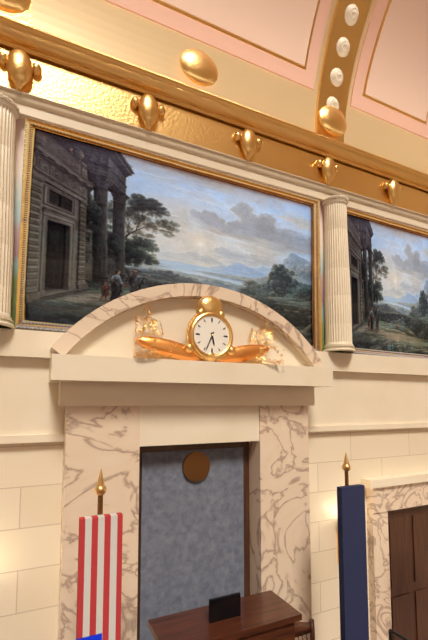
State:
5h34
